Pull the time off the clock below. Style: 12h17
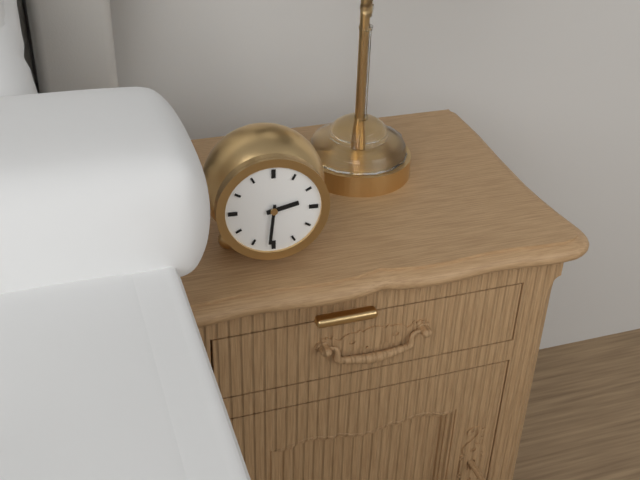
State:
2h31
